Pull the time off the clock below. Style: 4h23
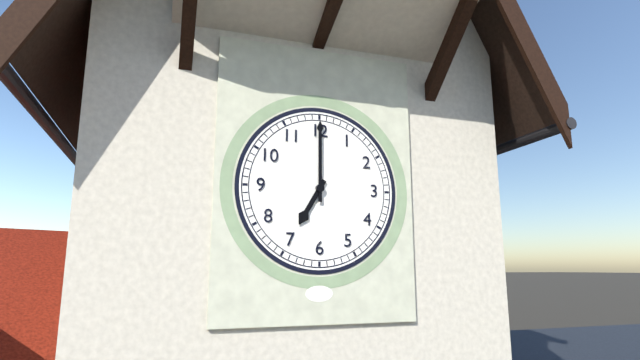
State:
7h00
